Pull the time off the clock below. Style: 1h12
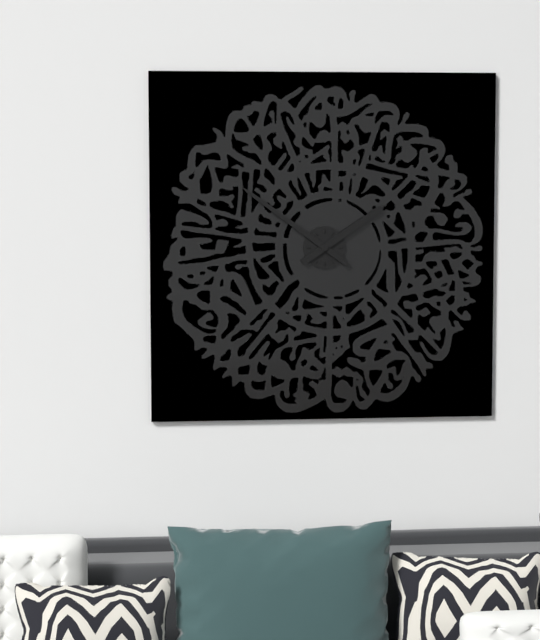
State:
1h51
